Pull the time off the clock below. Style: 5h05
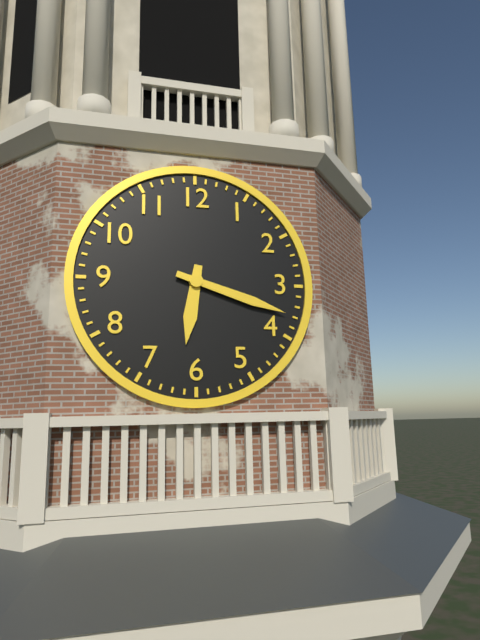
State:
6h18
